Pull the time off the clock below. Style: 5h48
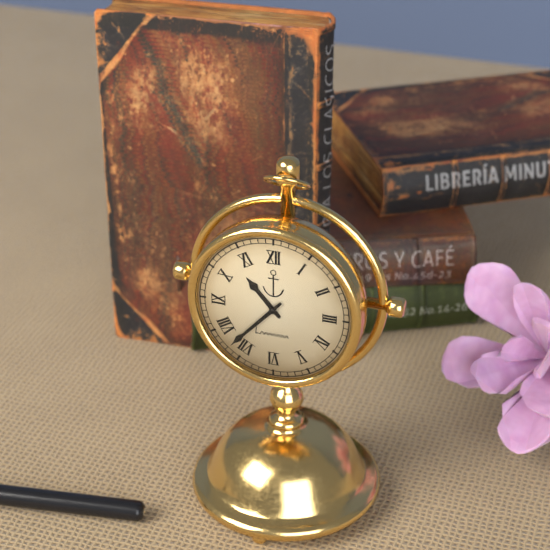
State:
10h37
